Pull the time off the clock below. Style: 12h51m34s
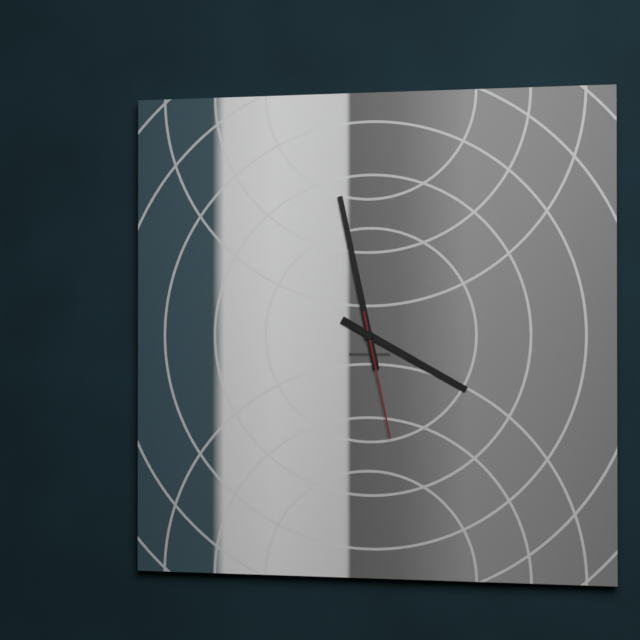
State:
3h58m28s
